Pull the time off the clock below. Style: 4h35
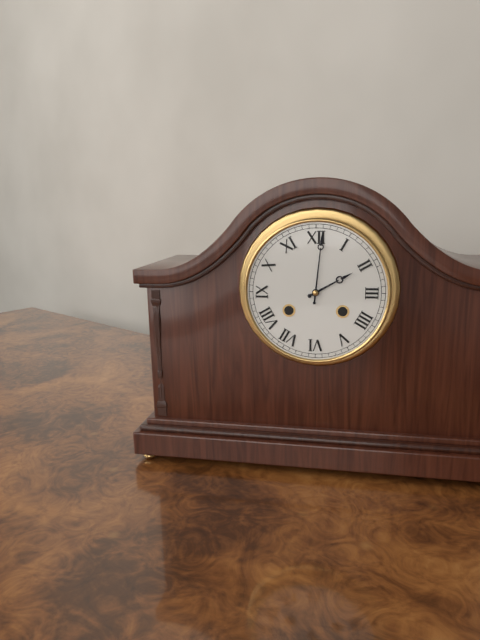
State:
2h01
